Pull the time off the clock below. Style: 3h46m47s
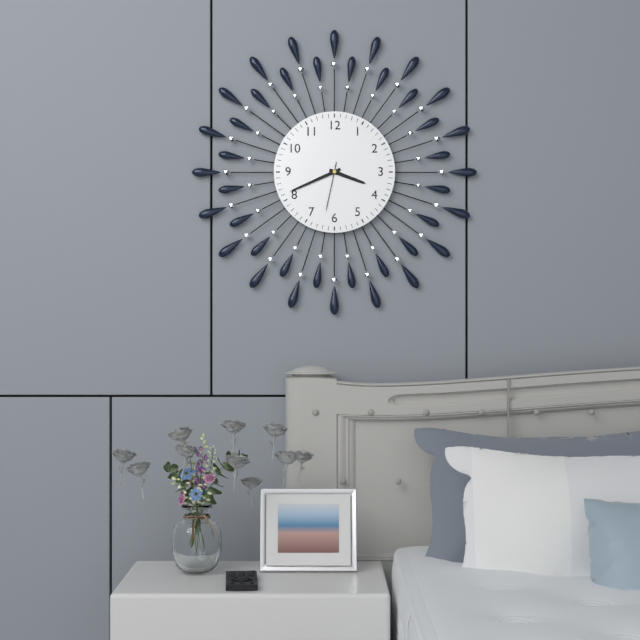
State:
3h41m32s
